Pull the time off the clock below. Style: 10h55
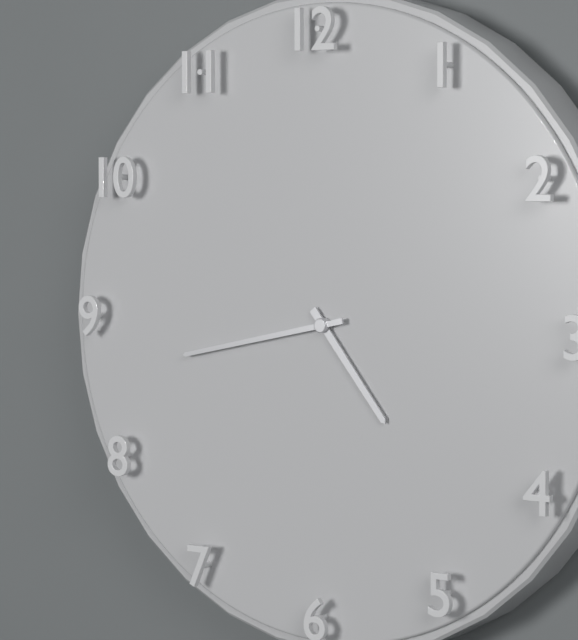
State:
4h43
